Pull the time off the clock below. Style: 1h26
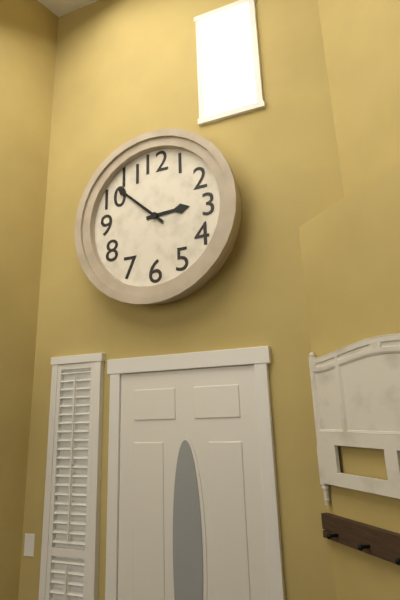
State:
2h52
